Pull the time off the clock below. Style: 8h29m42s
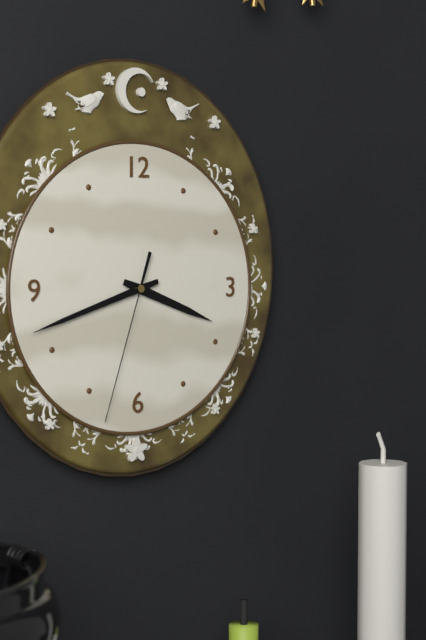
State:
3h42m33s
